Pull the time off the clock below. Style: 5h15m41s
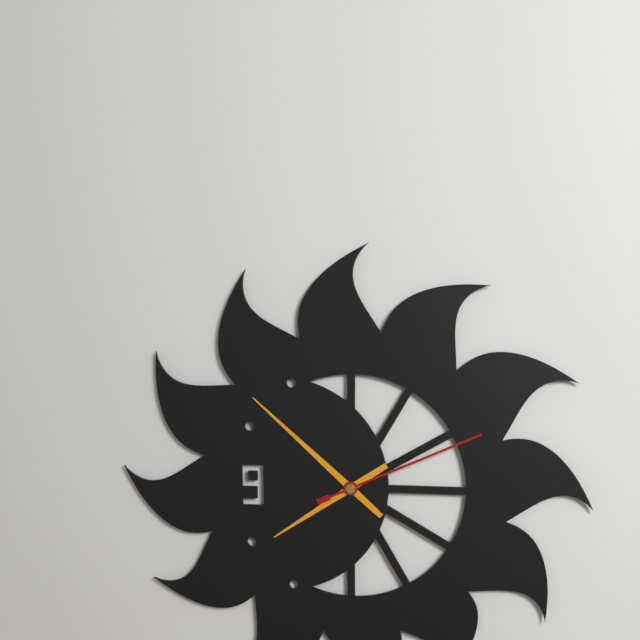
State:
7h52m11s
